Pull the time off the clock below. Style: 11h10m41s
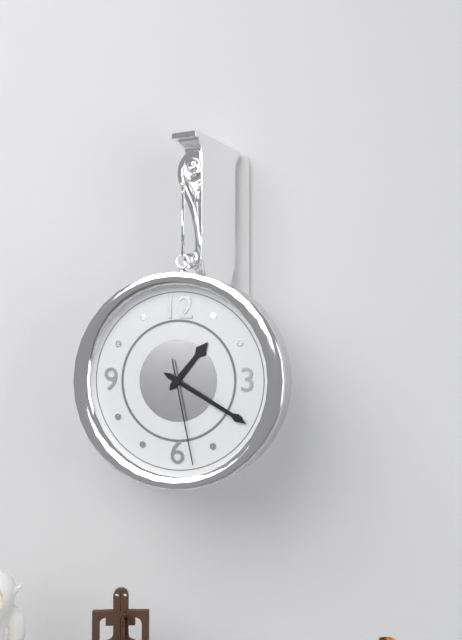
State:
1h20m28s
